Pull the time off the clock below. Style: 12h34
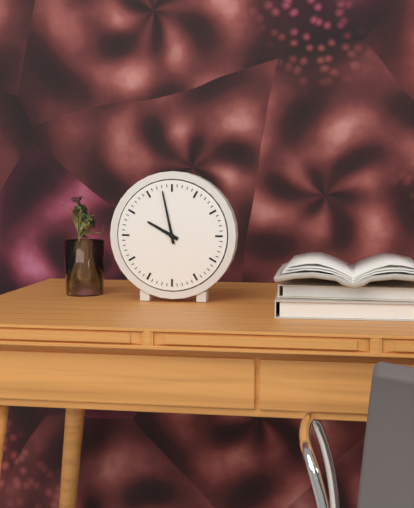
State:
9h58
